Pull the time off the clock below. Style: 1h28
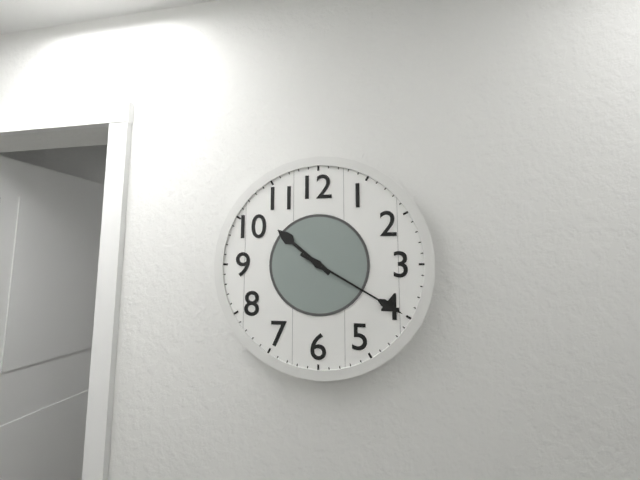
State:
10h20
